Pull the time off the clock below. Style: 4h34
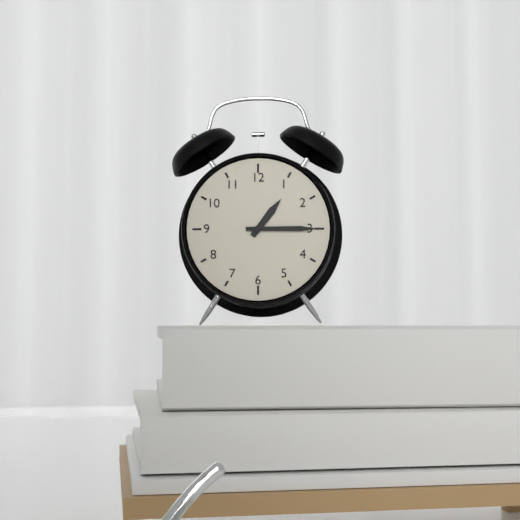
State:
1h15
